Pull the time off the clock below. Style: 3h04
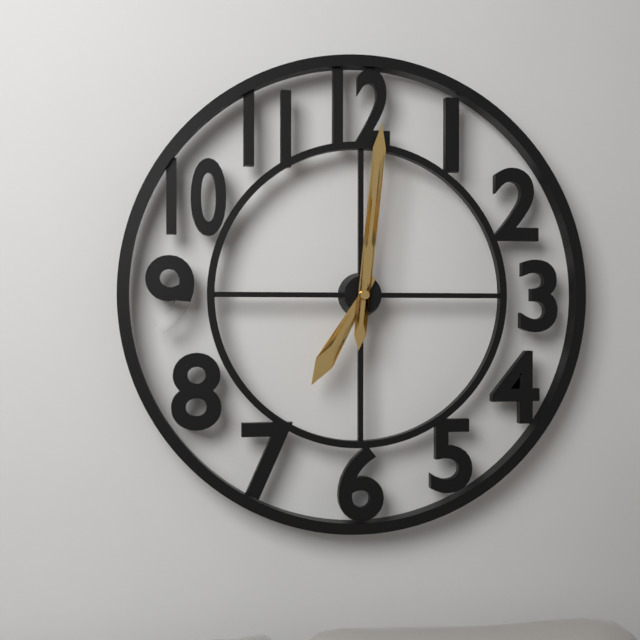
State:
7h01
